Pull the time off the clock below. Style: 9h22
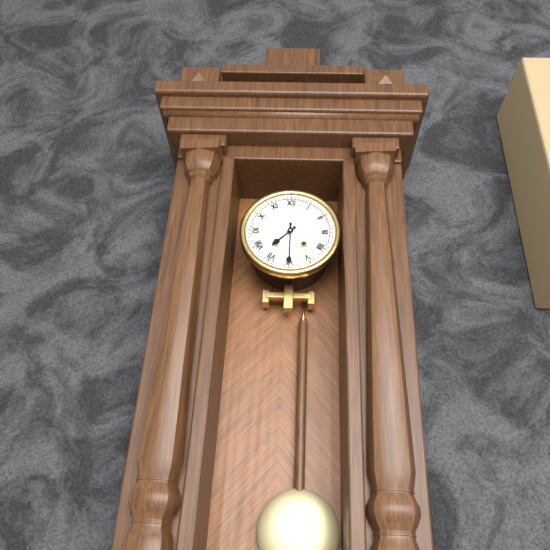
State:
7h30
